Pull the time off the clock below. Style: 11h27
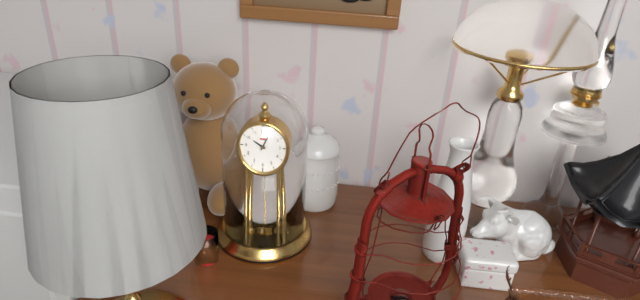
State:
10h04
